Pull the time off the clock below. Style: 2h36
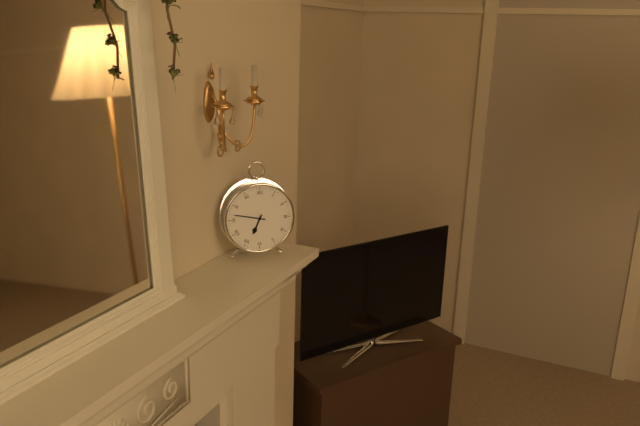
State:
6h47
